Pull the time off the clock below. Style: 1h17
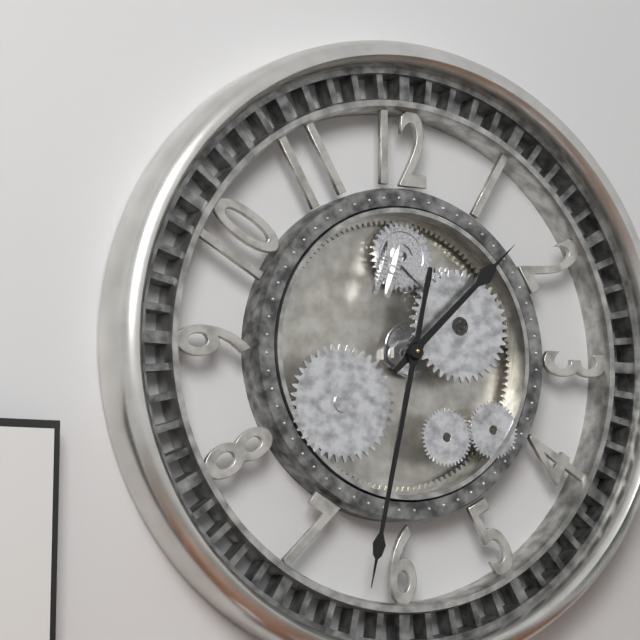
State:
1h32
